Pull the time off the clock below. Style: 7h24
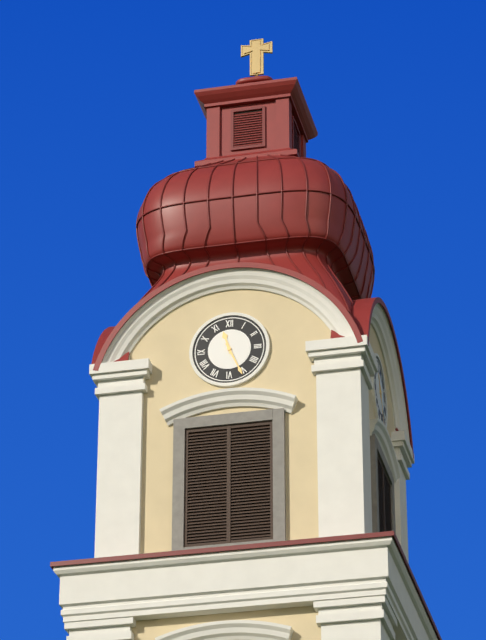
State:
11h26
